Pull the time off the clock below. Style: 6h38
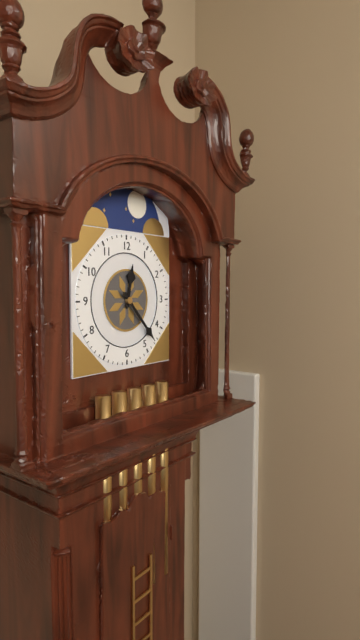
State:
12h23
